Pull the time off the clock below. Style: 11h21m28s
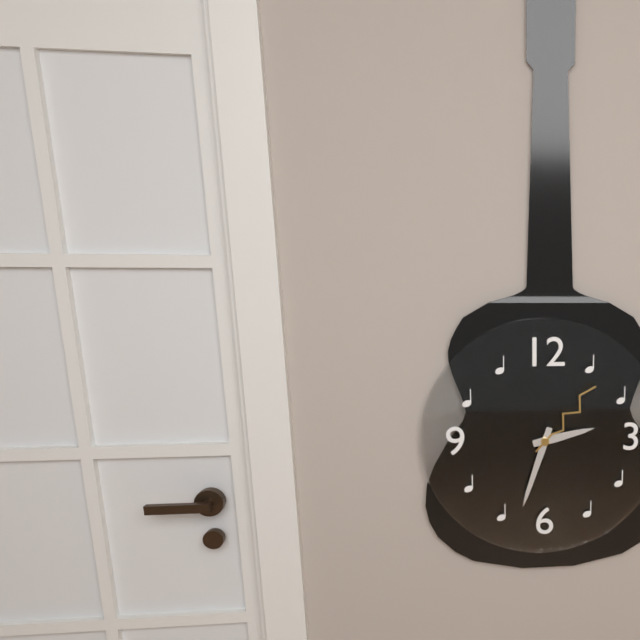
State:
2h33m07s
